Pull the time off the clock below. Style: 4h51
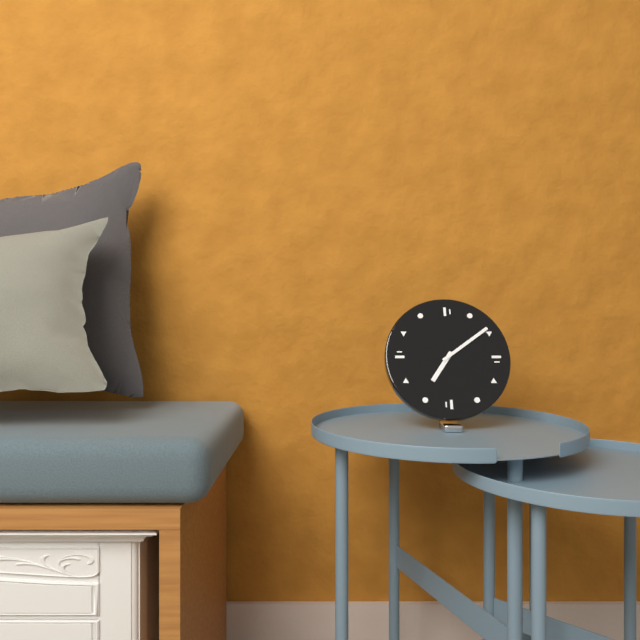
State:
7h09
